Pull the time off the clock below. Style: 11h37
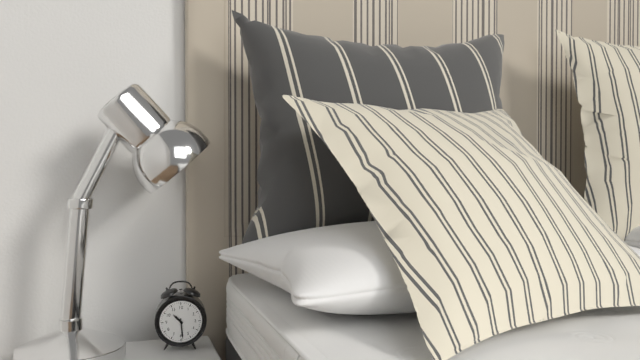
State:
10h29
